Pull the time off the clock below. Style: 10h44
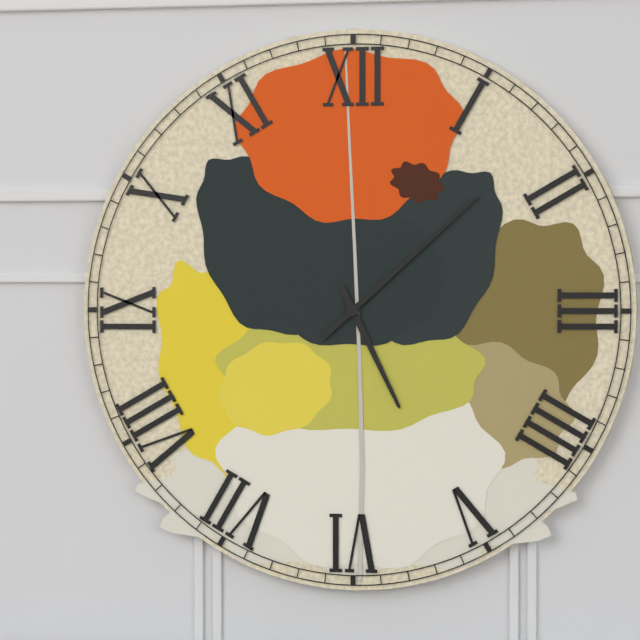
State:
5h08
